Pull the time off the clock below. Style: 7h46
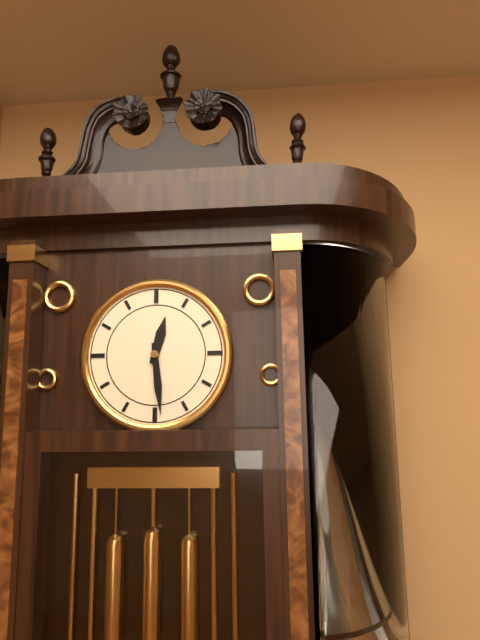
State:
12h29
